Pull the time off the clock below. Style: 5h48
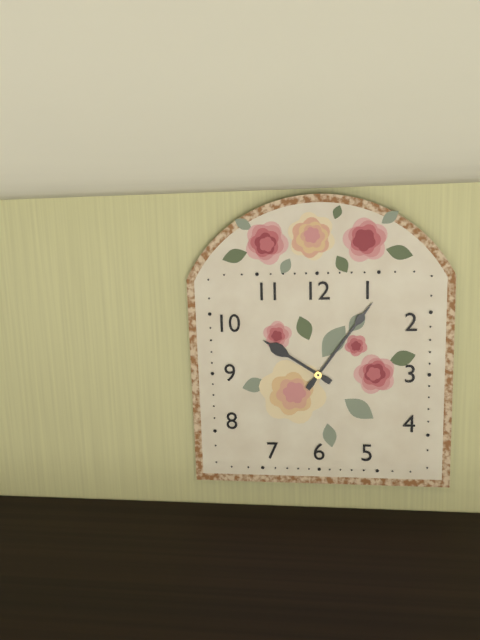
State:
10h06
